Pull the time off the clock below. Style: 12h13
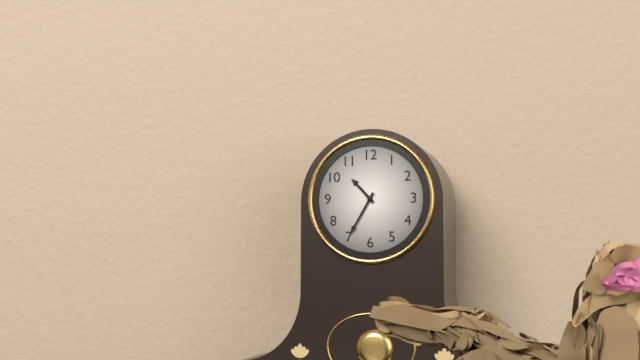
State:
10h35
